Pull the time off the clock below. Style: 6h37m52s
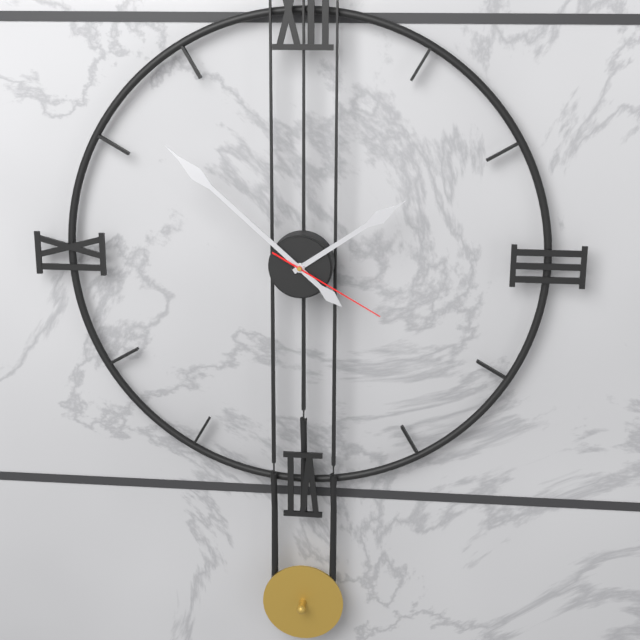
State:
1h52m20s
